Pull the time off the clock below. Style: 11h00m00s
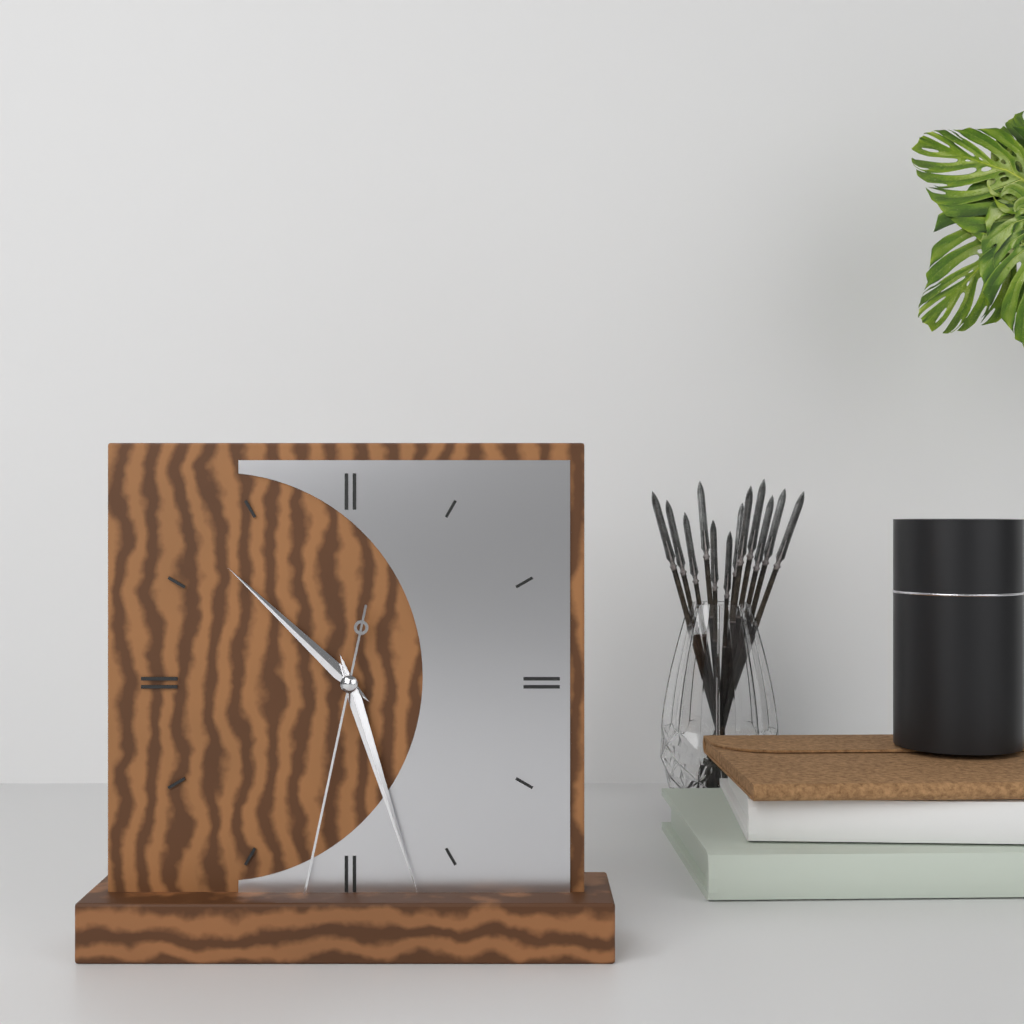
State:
10h27m32s
